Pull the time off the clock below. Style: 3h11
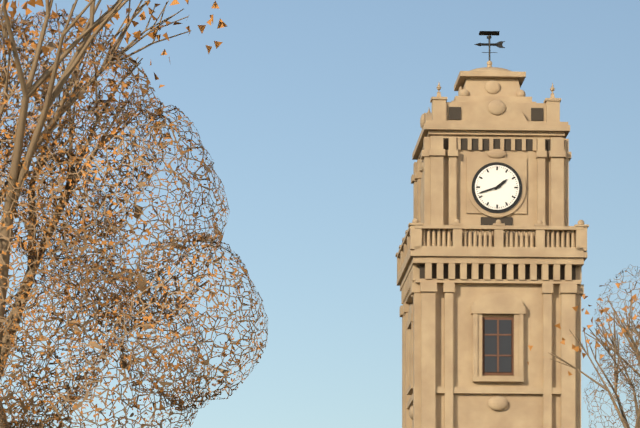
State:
1h42
